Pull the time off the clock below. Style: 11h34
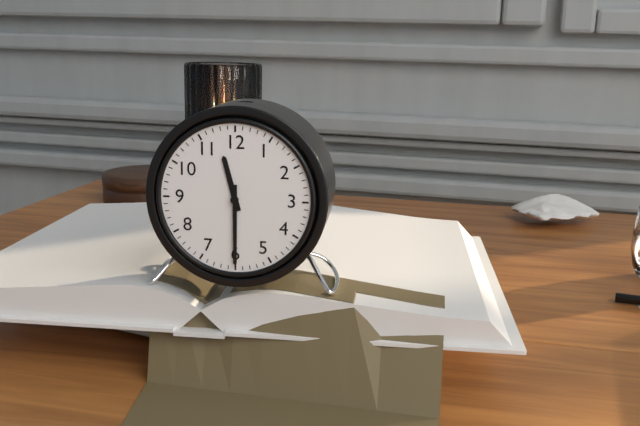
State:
11h30
